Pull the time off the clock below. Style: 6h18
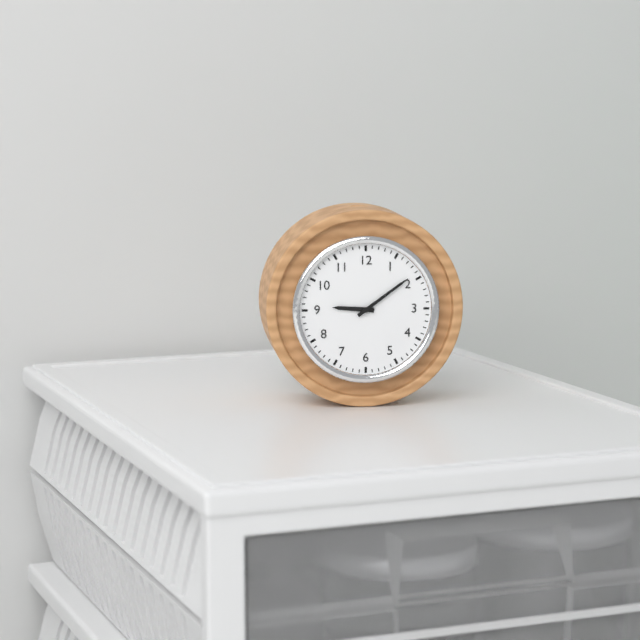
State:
9h09
